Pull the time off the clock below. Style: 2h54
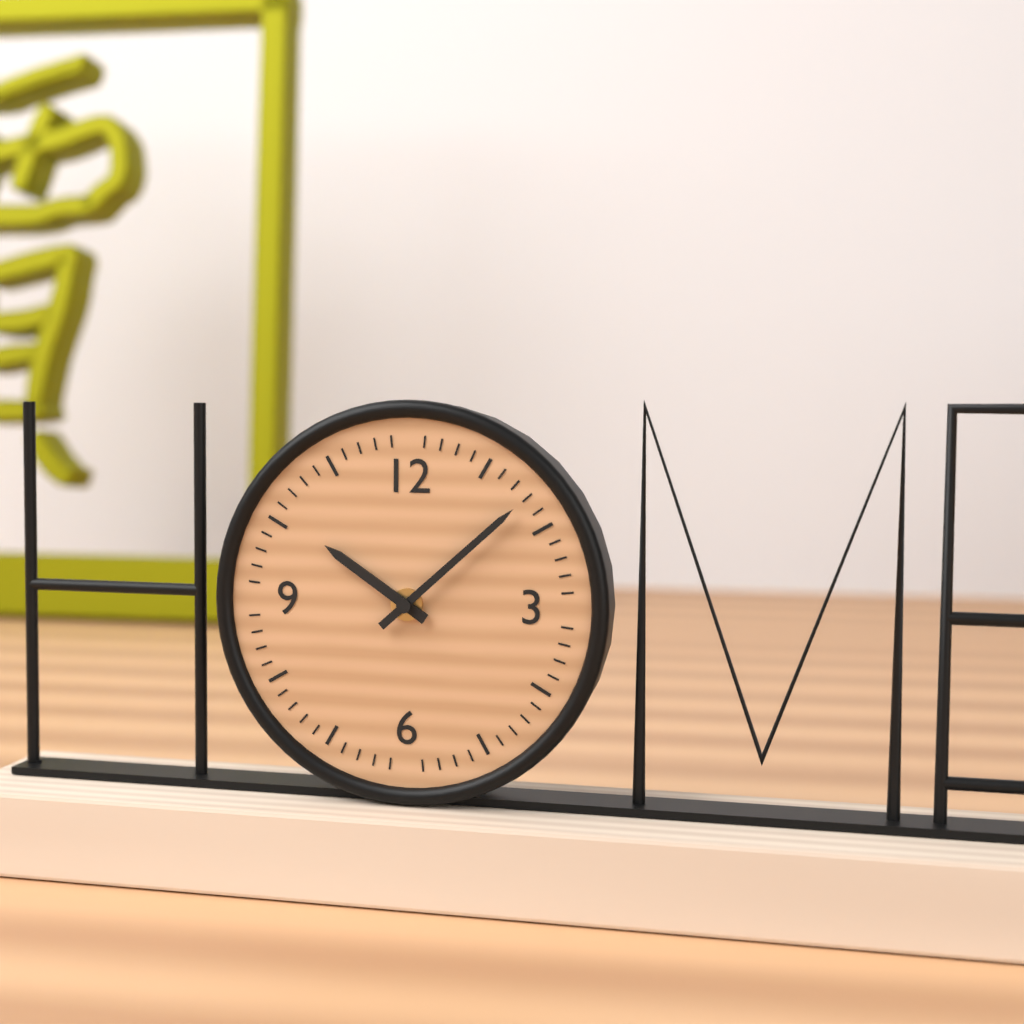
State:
10h08
